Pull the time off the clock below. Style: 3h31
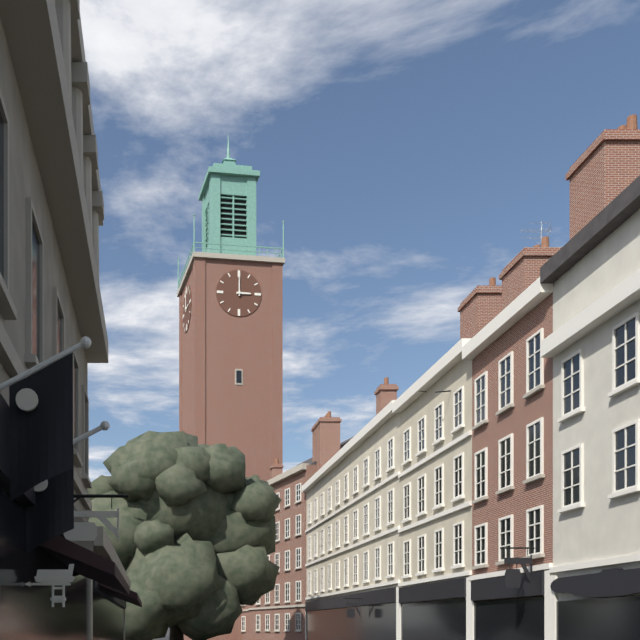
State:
3h00
